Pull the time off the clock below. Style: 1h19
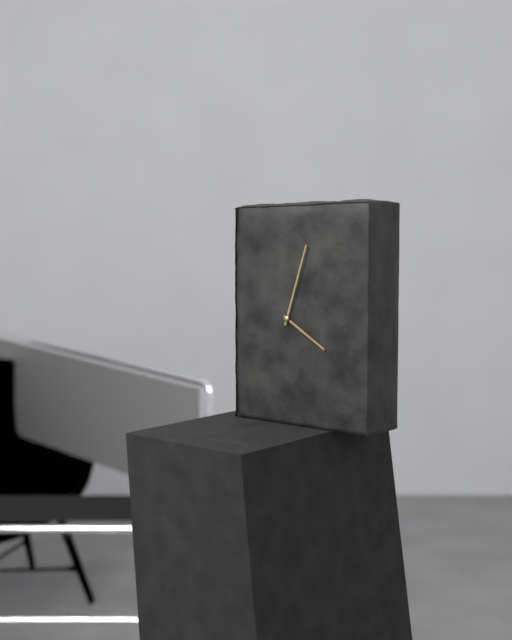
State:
4h03
